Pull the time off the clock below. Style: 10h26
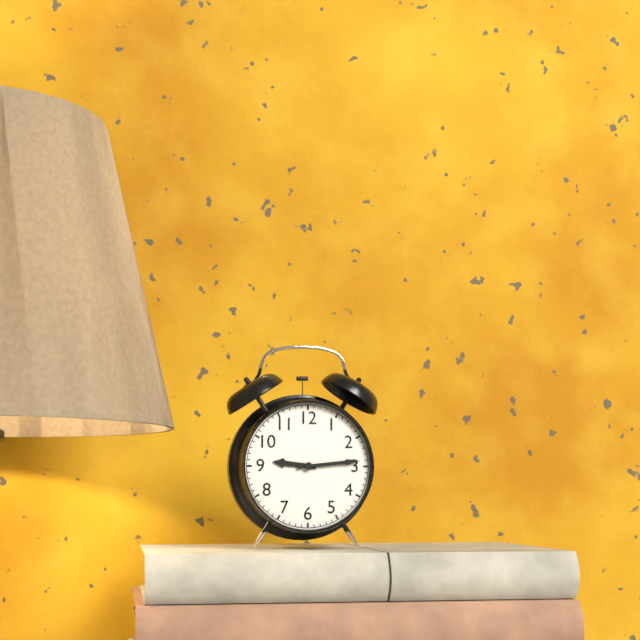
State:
9h14
